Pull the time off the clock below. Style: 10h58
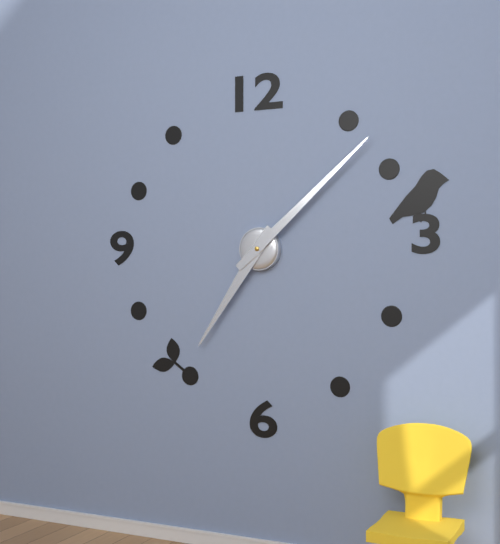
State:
7h08
